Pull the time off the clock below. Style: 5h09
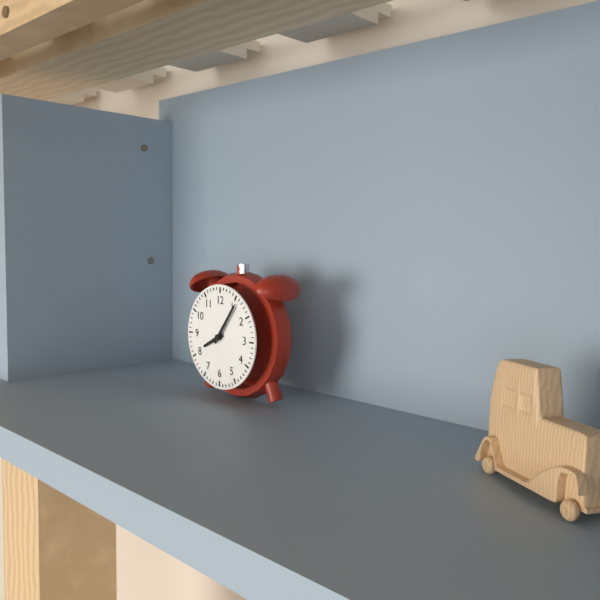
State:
8h06
